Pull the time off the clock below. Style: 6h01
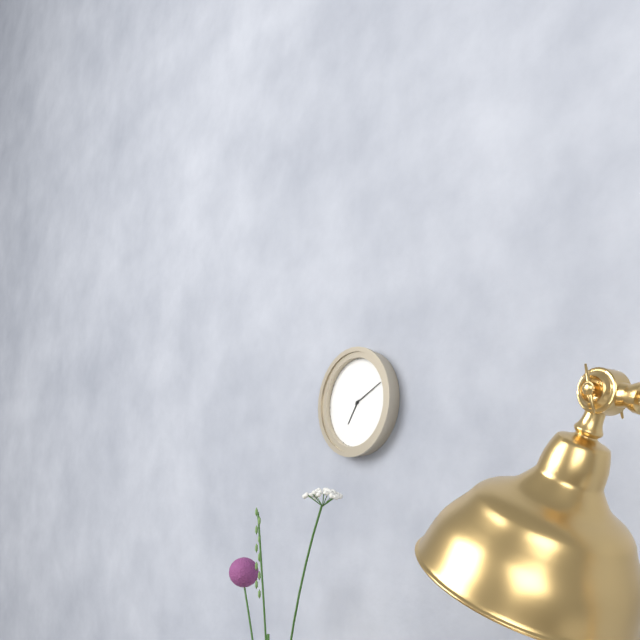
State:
7h11
